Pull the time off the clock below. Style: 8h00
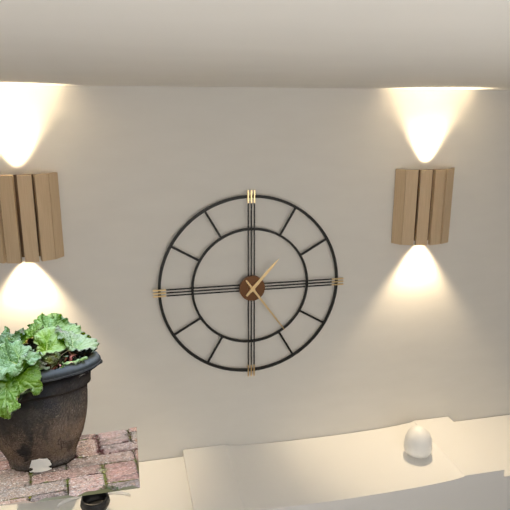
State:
1h24
